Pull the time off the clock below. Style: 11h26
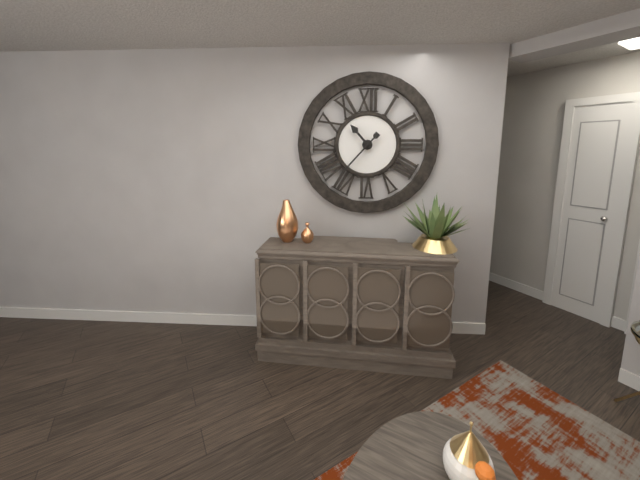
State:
10h37
